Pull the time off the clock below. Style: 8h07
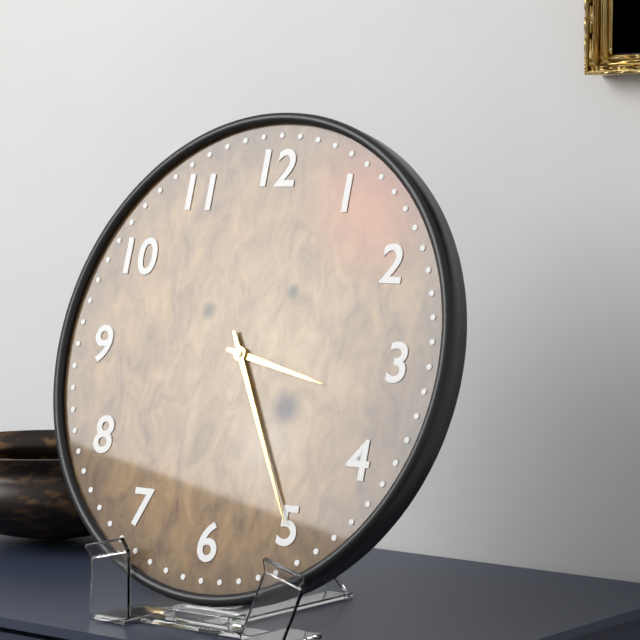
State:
3h25
